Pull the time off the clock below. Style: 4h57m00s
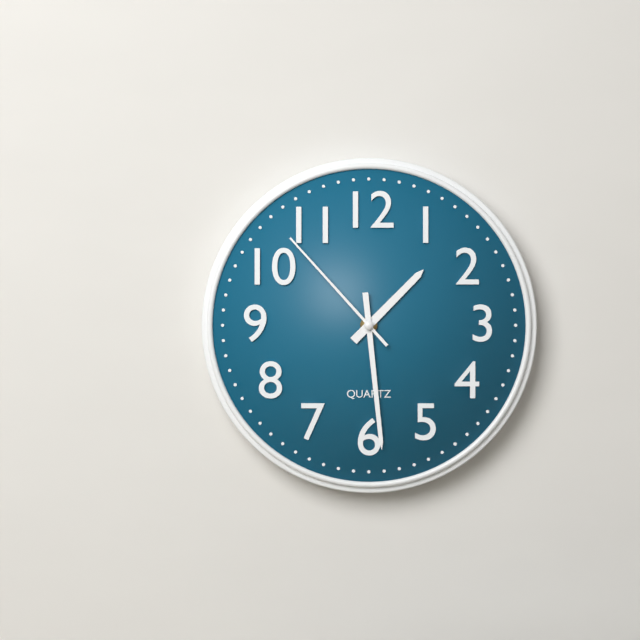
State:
1h29m53s
